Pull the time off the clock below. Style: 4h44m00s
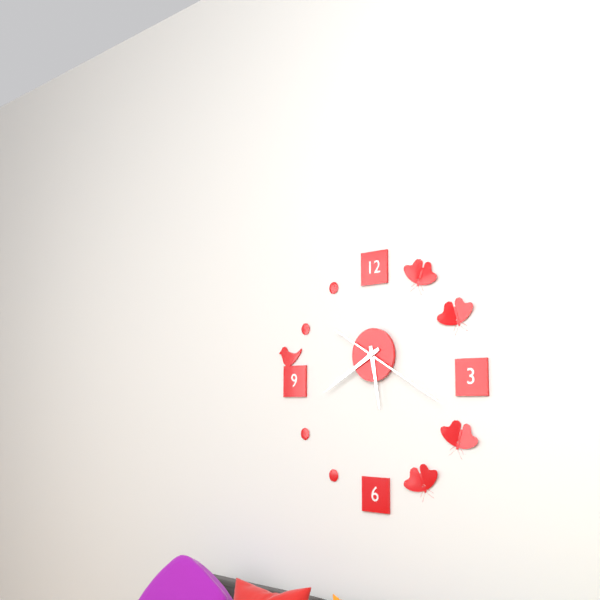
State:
5h40m20s
